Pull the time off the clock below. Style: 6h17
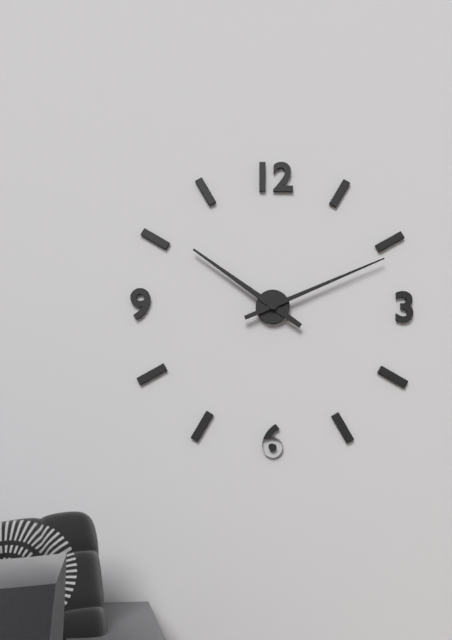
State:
10h11
